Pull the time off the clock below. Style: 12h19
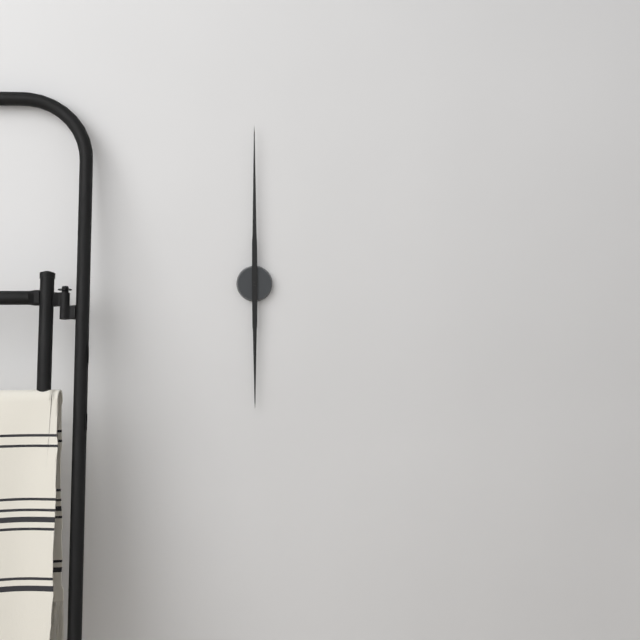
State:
6h00
